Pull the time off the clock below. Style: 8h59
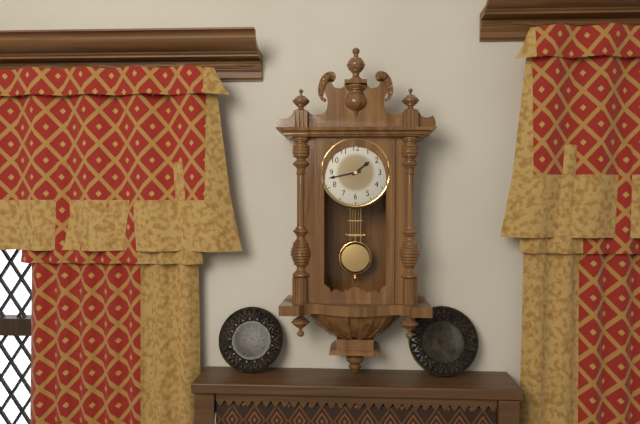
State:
1h43
